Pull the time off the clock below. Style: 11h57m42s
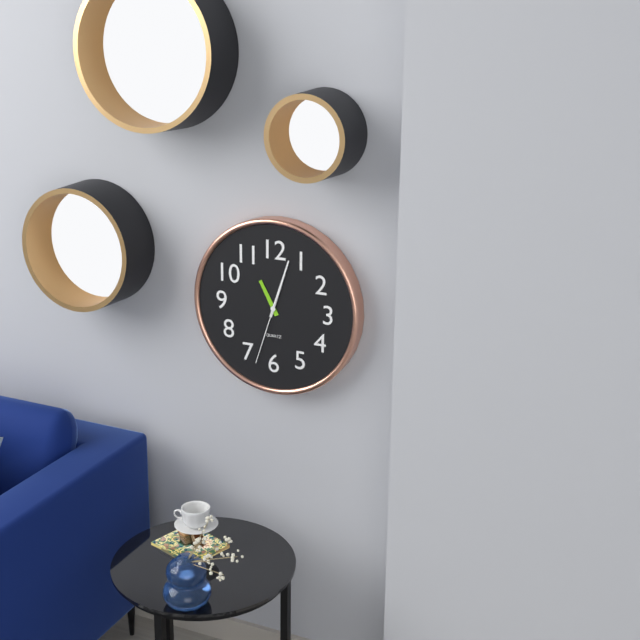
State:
11h03m33s
